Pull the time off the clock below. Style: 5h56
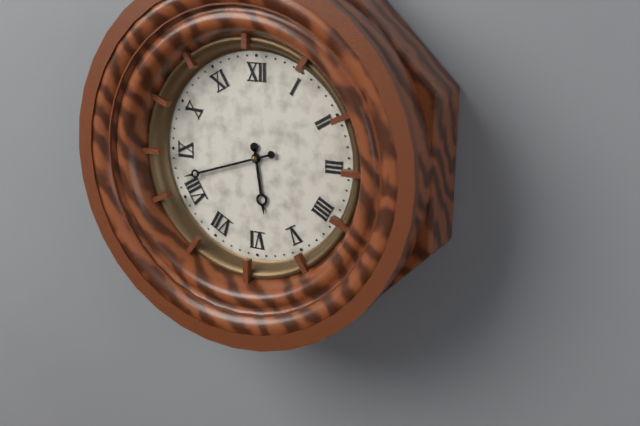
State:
5h42
